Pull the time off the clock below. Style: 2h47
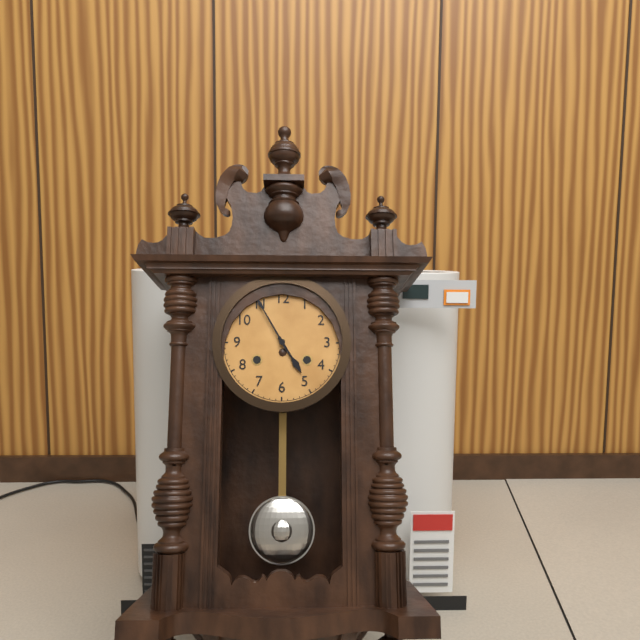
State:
4h55
